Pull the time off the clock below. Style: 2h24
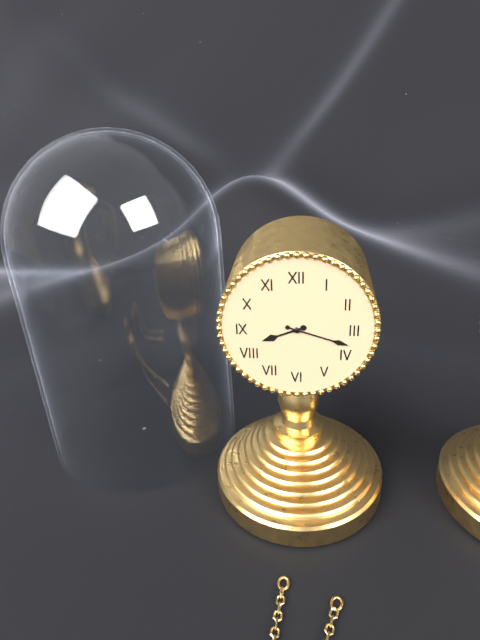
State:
8h18
